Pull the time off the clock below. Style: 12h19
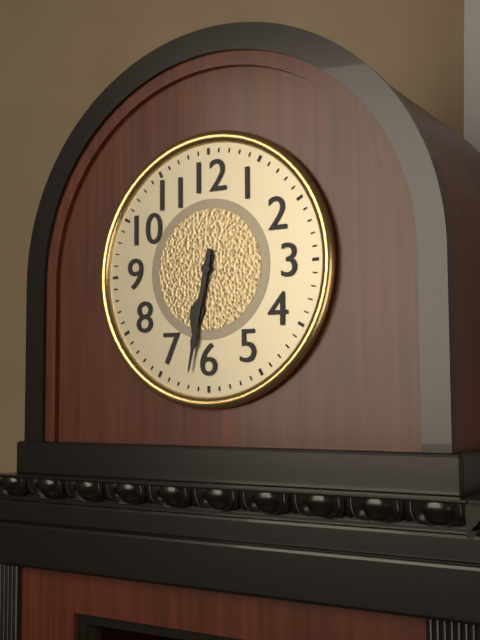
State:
6h32
